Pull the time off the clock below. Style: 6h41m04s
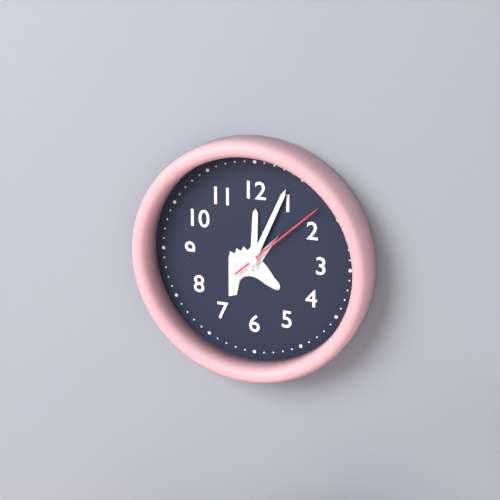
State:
12h04m08s
